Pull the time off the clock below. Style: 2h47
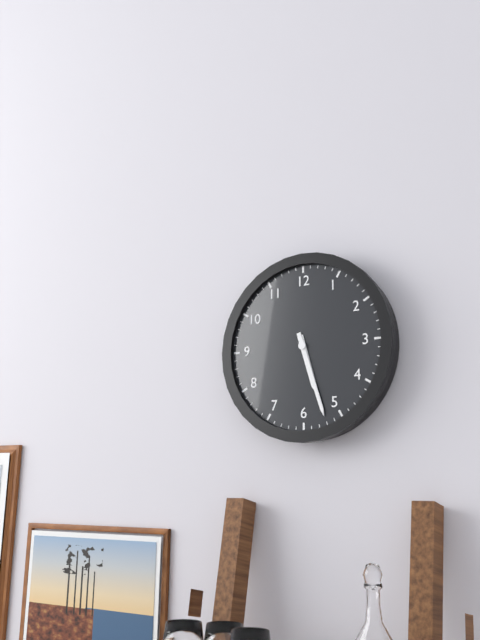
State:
5h27
